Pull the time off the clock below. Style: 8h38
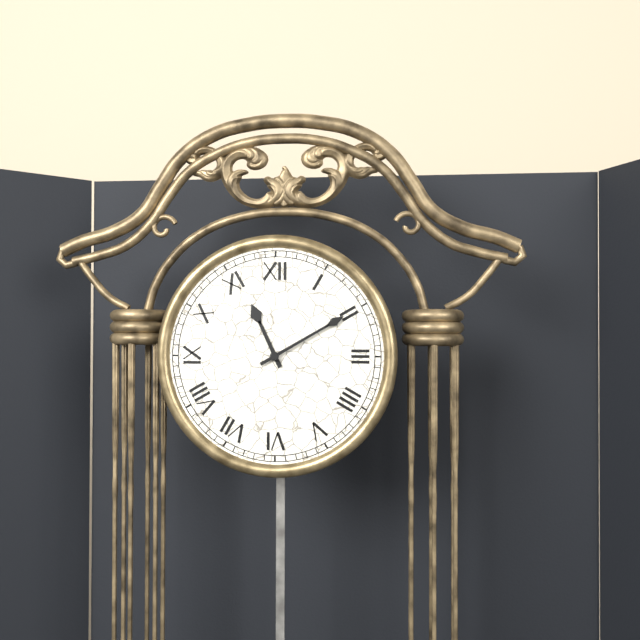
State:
11h10
